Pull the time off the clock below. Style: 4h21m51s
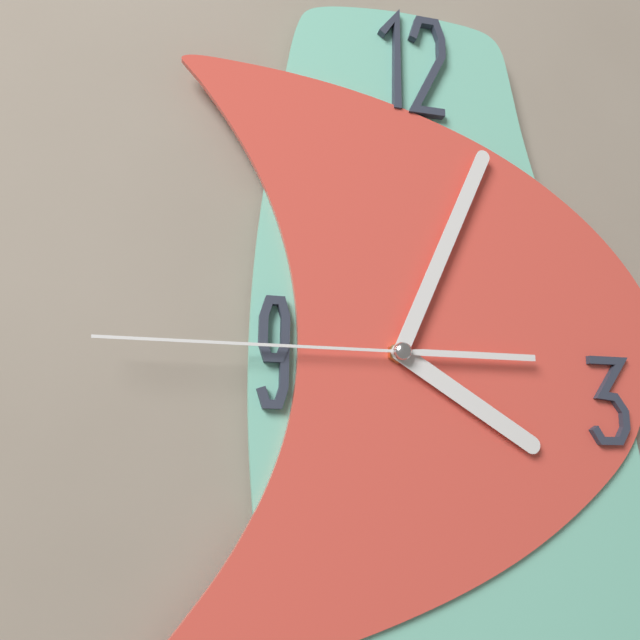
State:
4h04m45s
